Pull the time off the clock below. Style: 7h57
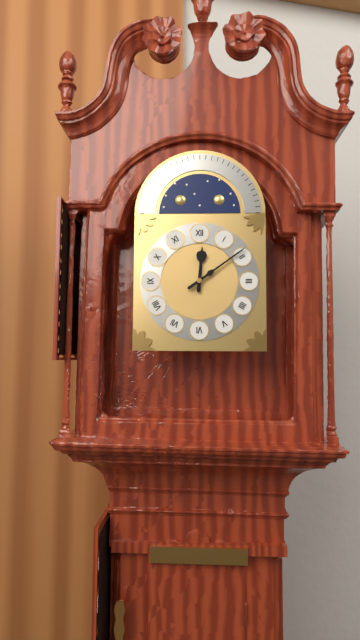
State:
12h09
